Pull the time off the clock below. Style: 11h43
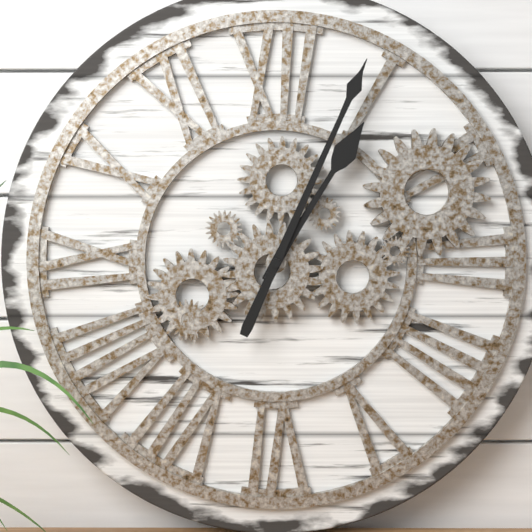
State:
1h04
